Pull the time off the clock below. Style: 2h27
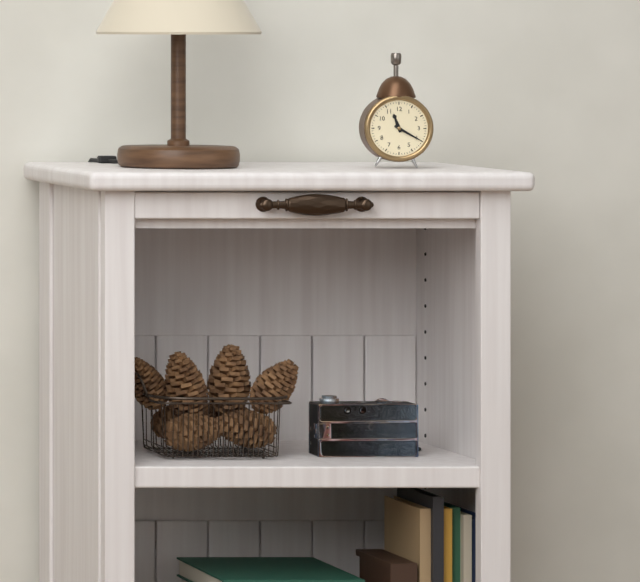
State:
11h20
